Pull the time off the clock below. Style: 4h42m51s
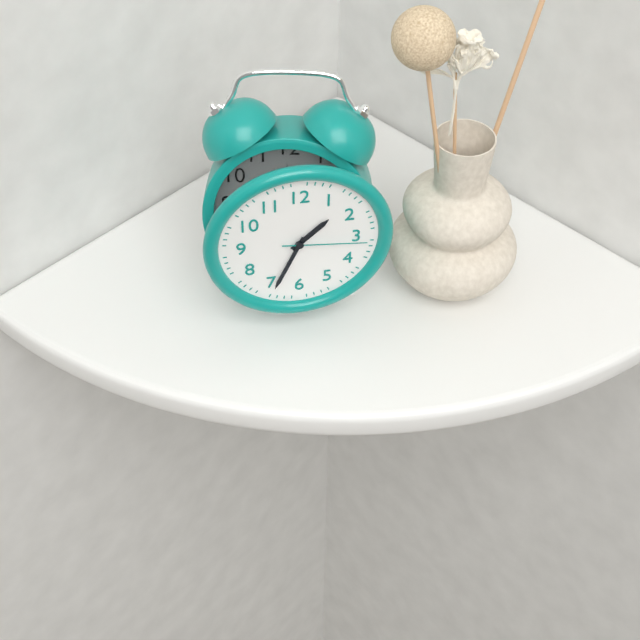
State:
1h34m16s
